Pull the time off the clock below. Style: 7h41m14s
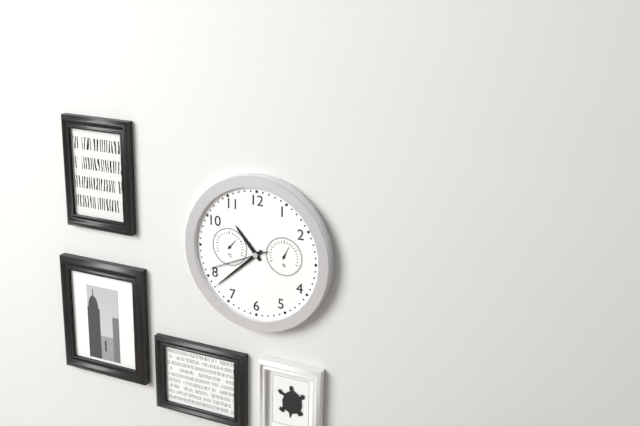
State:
10h38m41s
